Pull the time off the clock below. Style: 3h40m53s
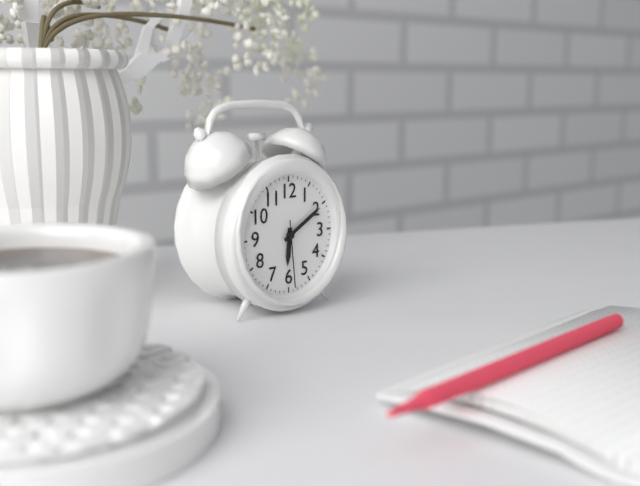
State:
6h10m29s
